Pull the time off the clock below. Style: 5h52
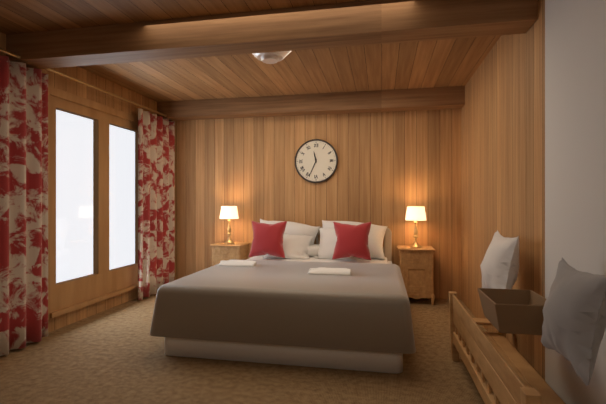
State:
11h34
